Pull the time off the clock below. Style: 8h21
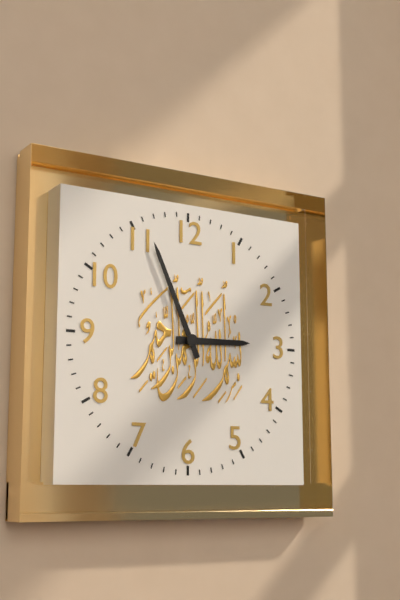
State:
2h56
